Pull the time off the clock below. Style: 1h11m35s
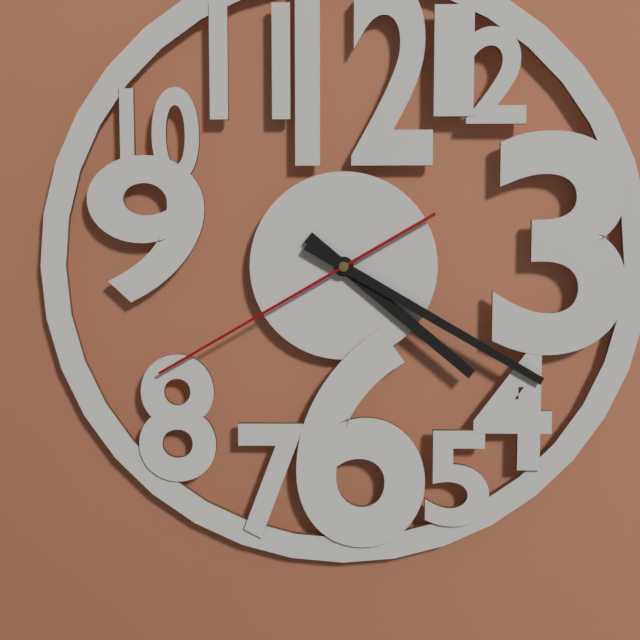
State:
4h20m40s
